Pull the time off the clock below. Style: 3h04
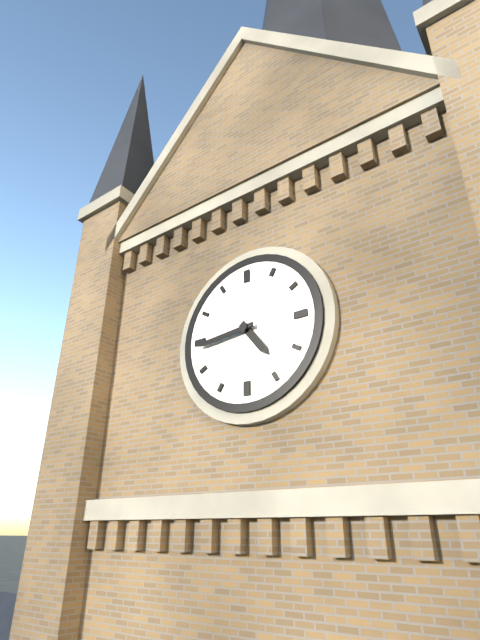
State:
4h44
